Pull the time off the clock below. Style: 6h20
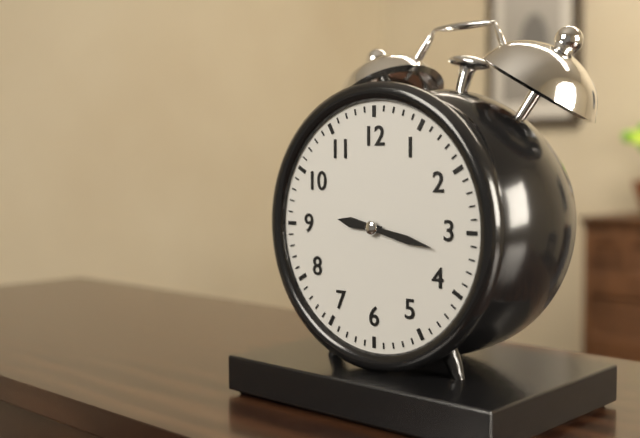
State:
9h17
